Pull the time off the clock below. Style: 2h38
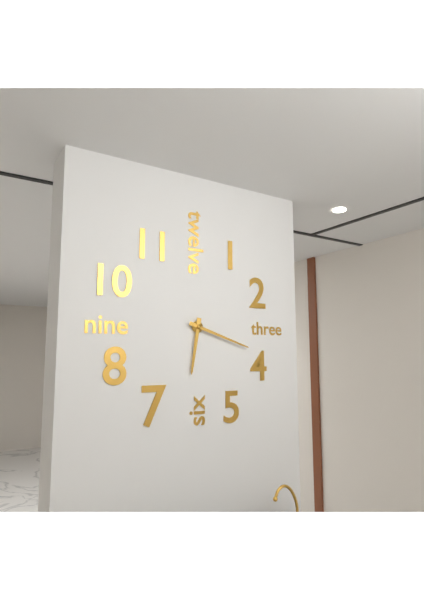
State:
6h18
